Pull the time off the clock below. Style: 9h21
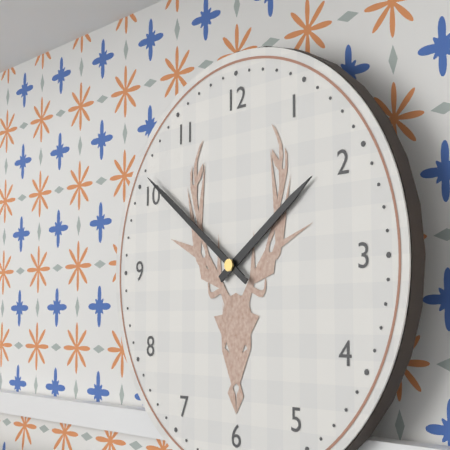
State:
1h51
